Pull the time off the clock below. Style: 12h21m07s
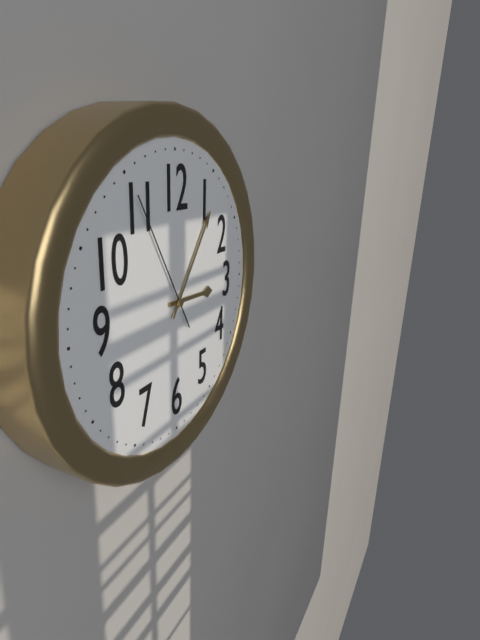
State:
3h06m55s
